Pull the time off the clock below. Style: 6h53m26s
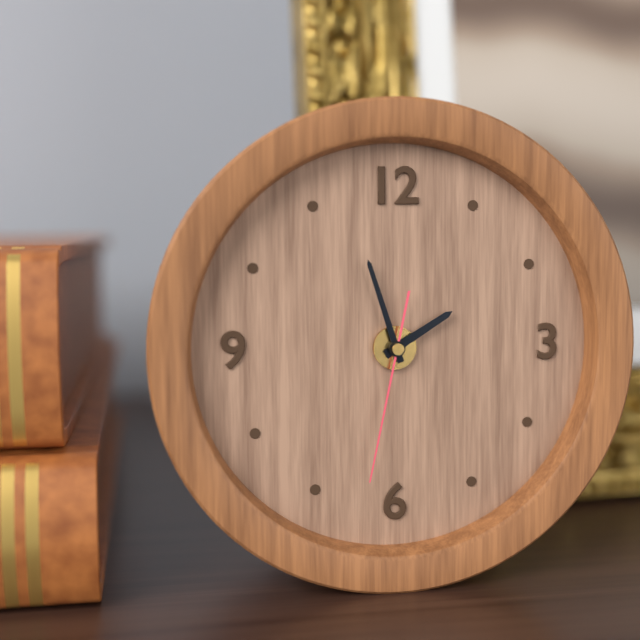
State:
1h57m32s
